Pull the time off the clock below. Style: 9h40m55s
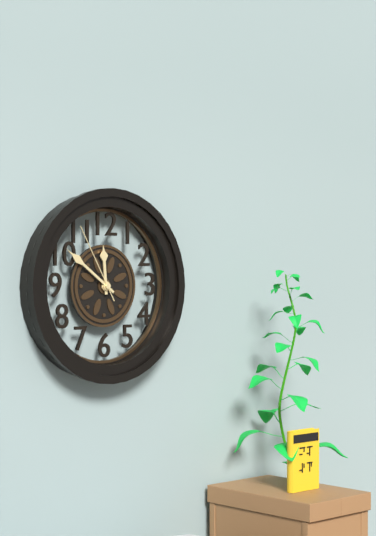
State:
11h51m55s
